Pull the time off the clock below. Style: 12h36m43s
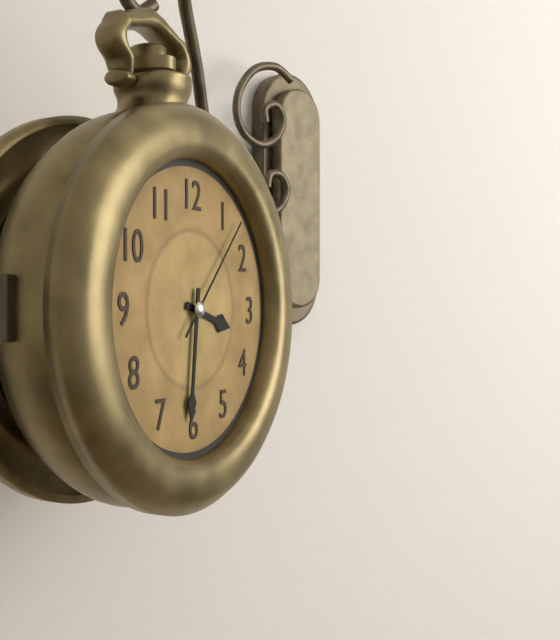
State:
3h31m07s
